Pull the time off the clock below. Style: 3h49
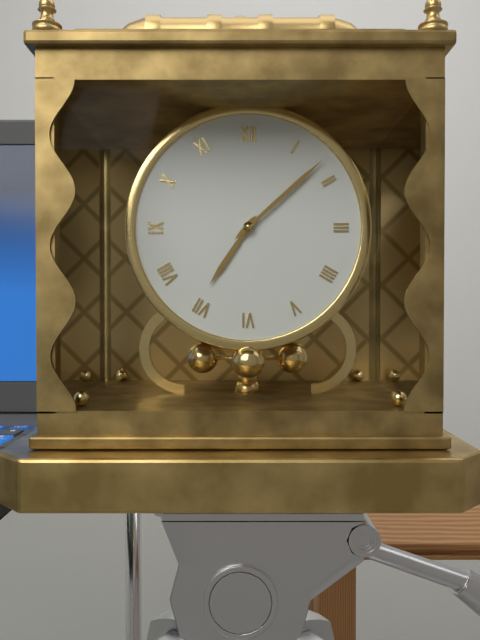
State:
7h08
